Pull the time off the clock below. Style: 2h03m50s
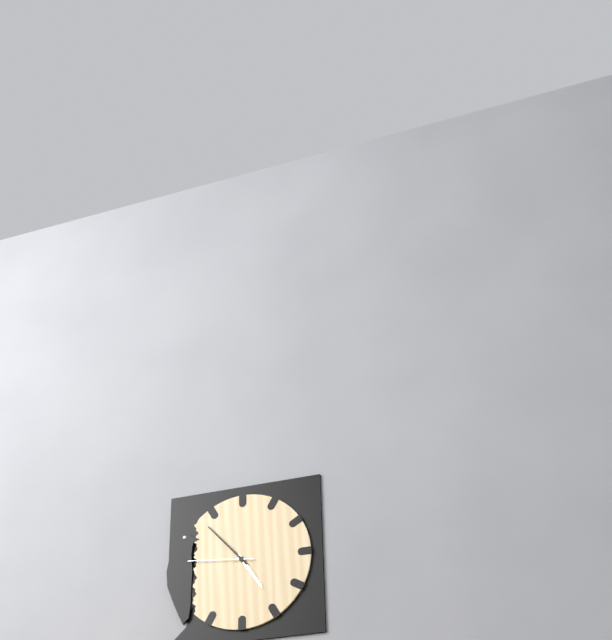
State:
4h53m46s
